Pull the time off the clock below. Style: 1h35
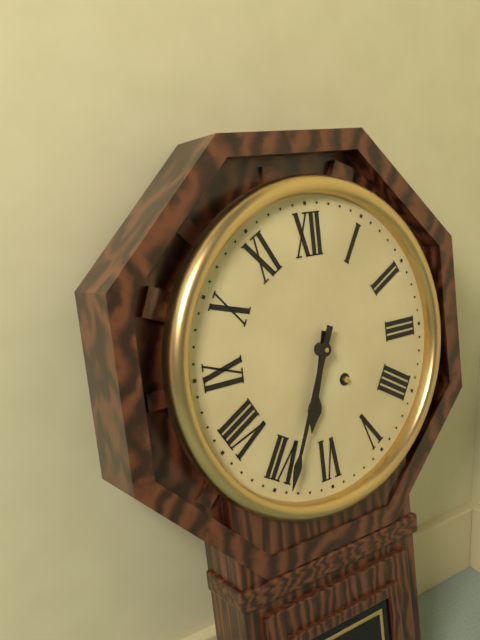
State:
6h34
